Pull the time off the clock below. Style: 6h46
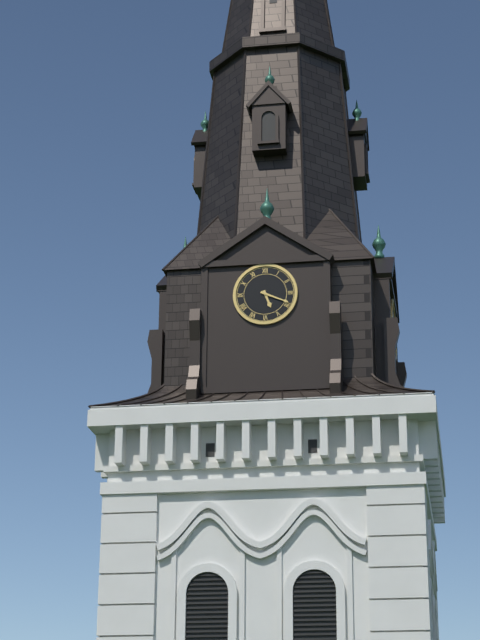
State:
5h19
